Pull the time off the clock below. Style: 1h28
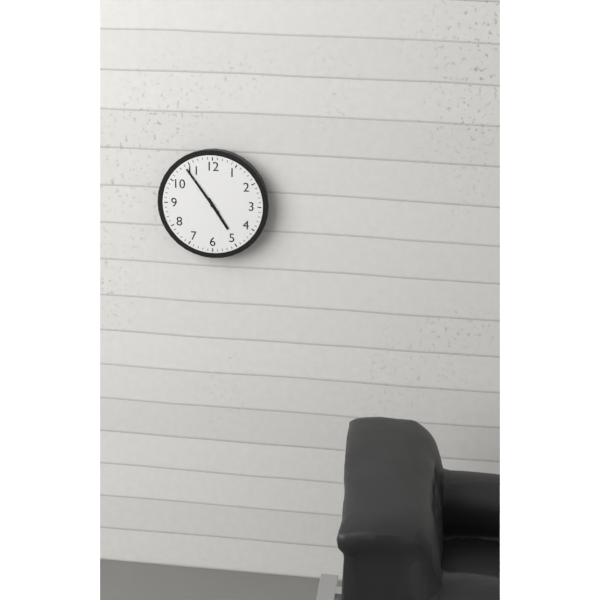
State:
4h54
